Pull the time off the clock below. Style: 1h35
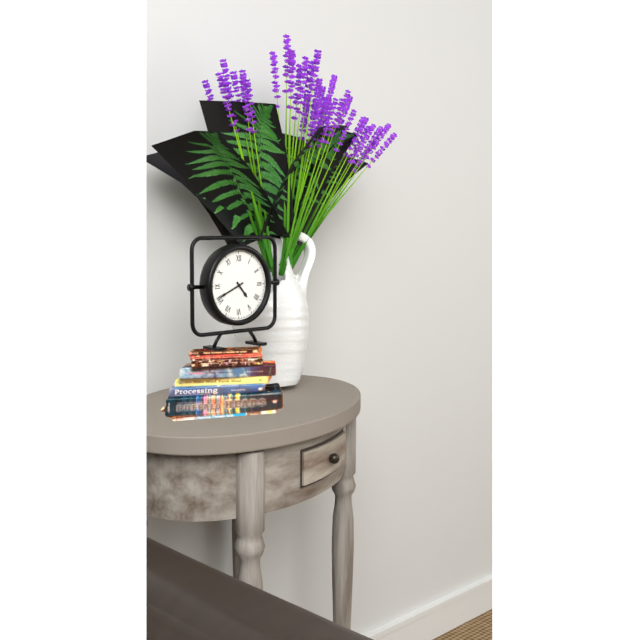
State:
4h41
